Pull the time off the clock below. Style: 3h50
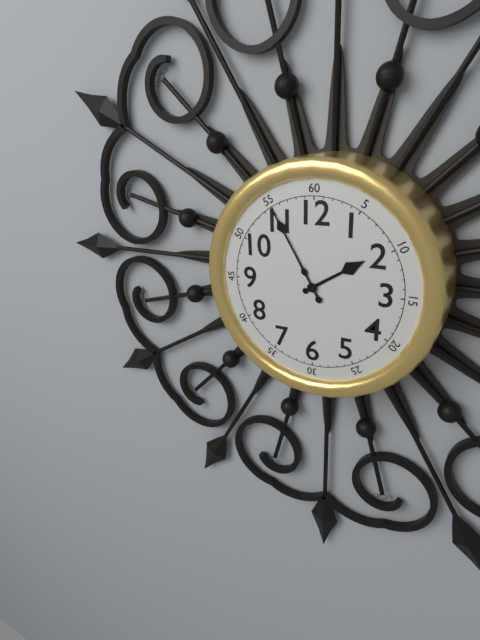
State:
1h55
